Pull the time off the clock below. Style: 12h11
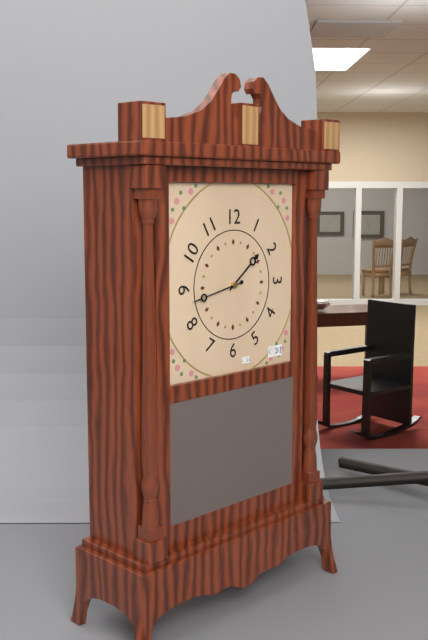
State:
1h43
